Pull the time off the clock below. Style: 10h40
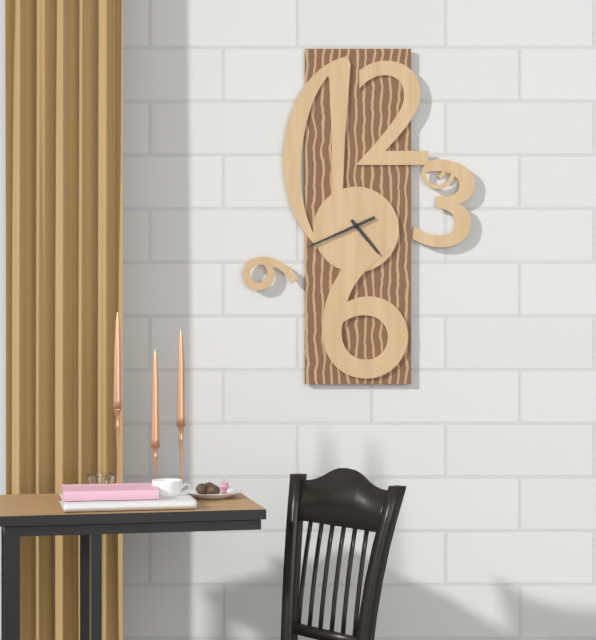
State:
4h41
